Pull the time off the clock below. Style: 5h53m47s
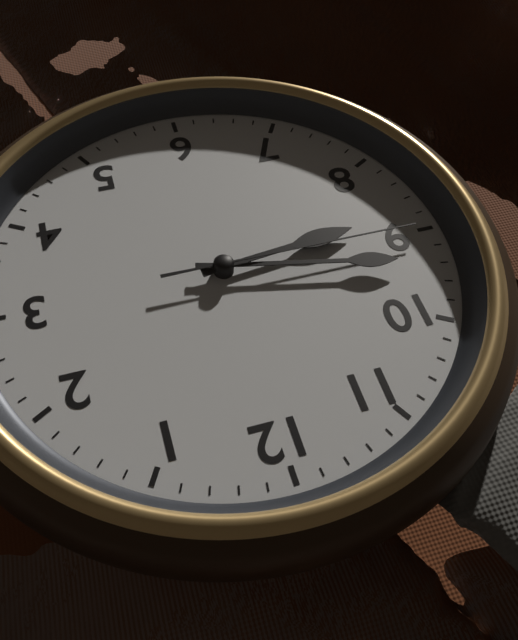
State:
8h47m45s
